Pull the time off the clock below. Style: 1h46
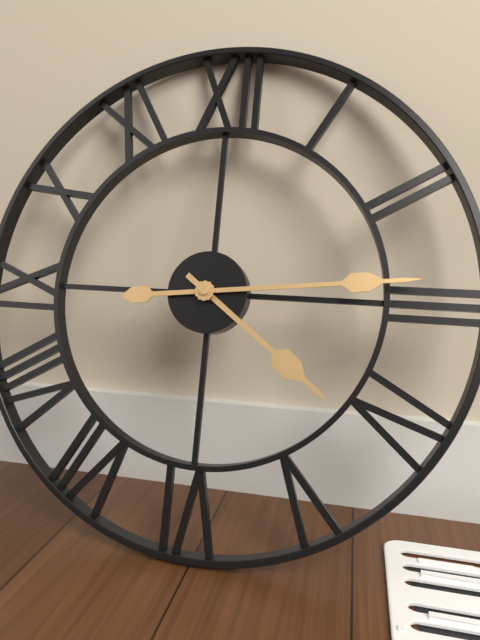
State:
4h14
